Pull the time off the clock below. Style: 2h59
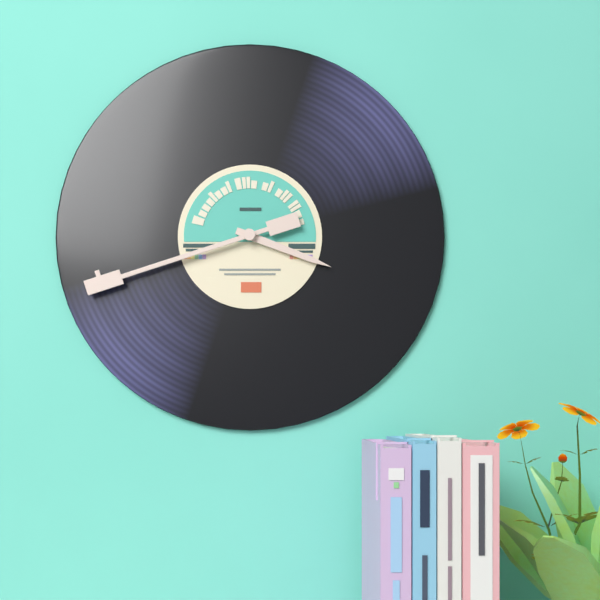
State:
3h42
